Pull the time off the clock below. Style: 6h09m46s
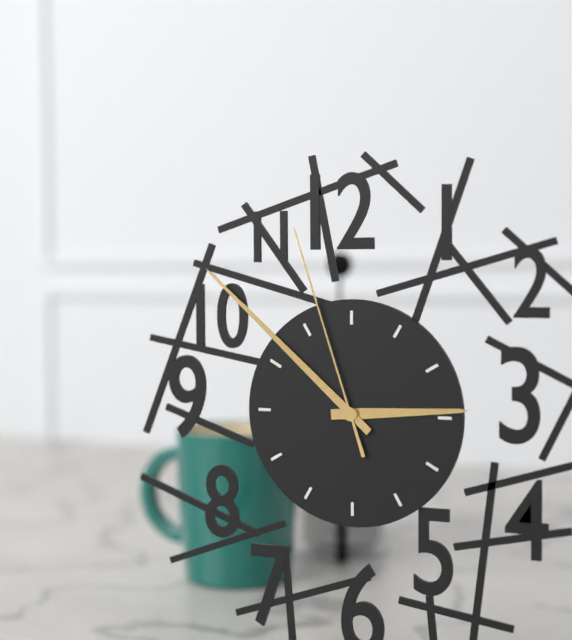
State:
2h52m57s
